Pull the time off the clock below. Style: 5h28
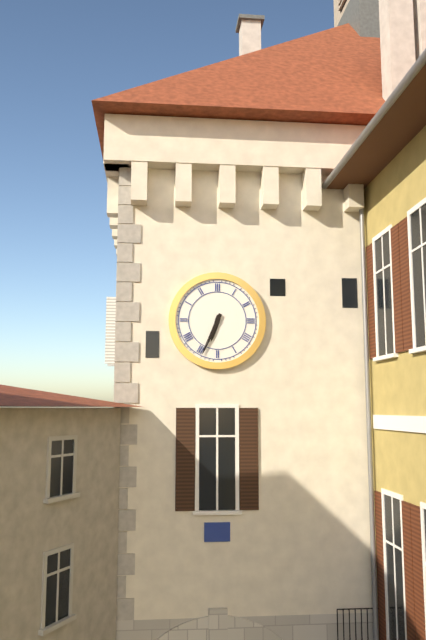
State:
6h34
